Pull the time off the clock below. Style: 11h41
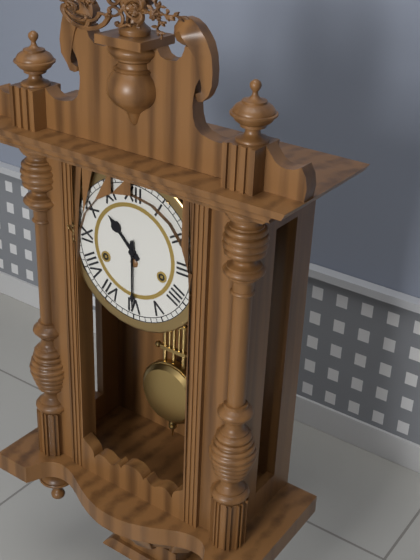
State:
10h30
